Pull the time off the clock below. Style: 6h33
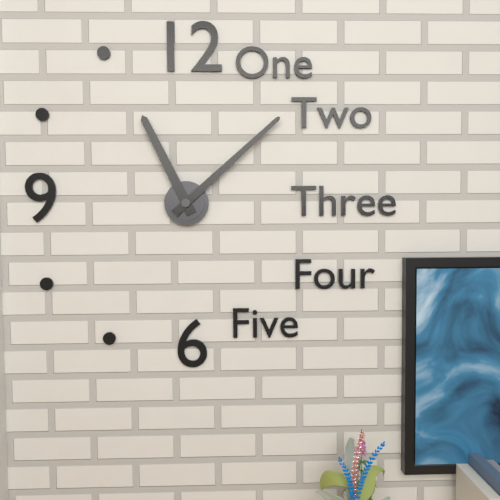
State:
11h08
